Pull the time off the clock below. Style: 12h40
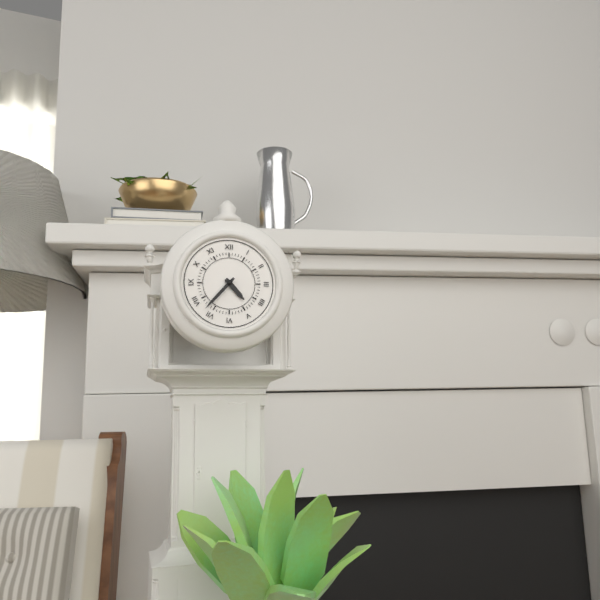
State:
4h37
